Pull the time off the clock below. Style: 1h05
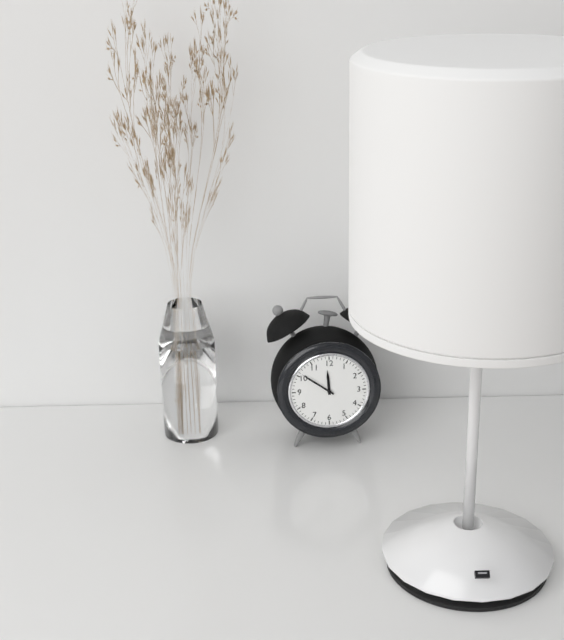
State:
11h51
